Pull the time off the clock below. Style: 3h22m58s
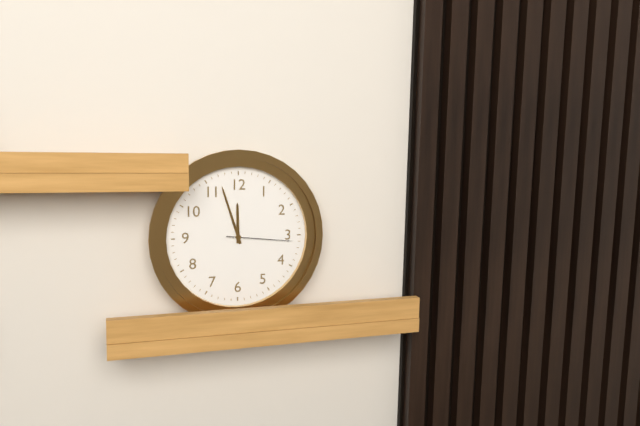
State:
11h57m16s
